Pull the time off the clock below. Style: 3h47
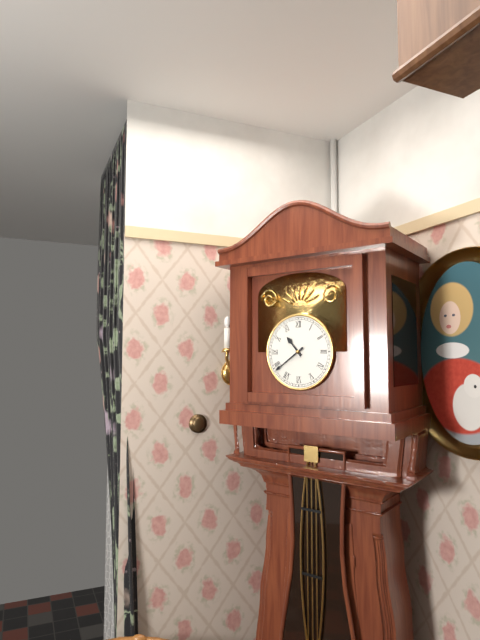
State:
10h39
